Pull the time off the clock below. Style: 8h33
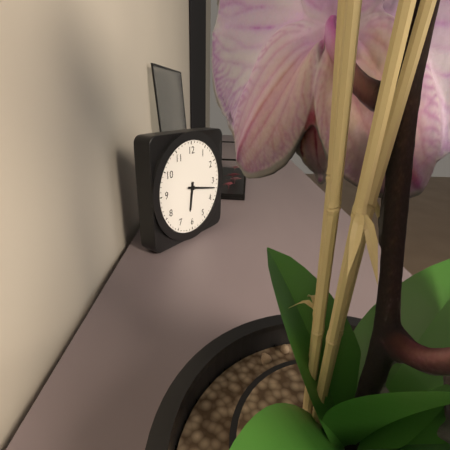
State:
6h17
